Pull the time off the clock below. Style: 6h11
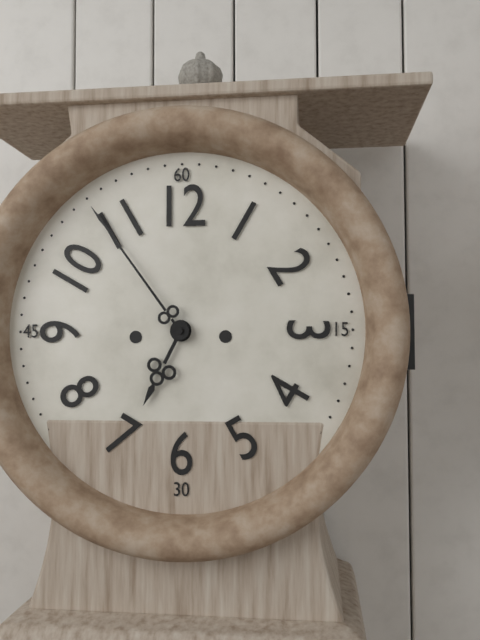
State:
6h54
